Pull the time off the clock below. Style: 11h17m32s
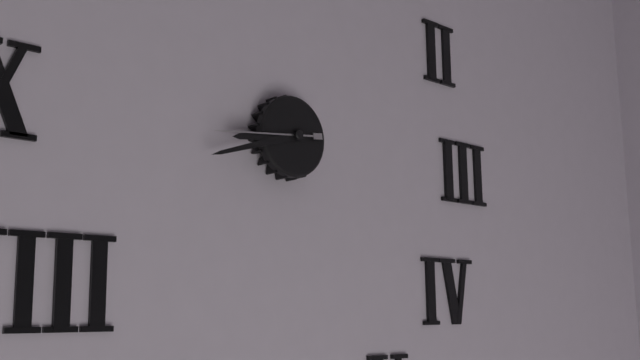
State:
8h42m44s
